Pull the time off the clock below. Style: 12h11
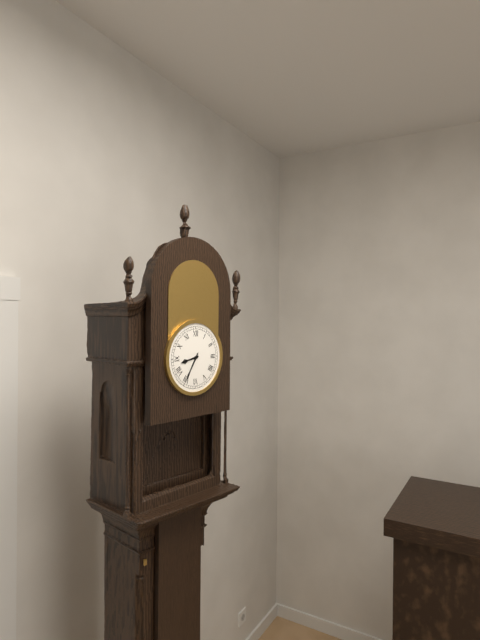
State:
8h35
